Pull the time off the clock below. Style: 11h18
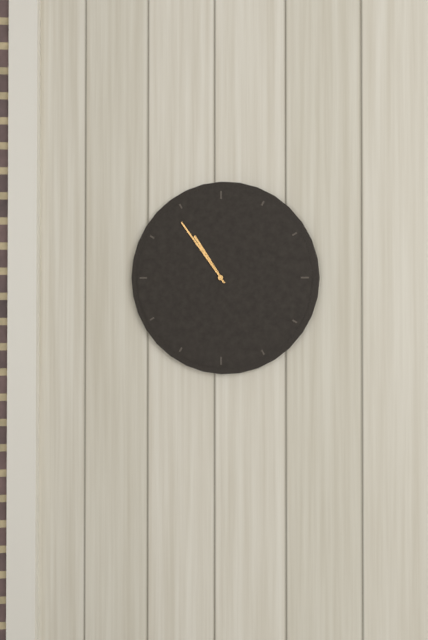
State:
10h54
